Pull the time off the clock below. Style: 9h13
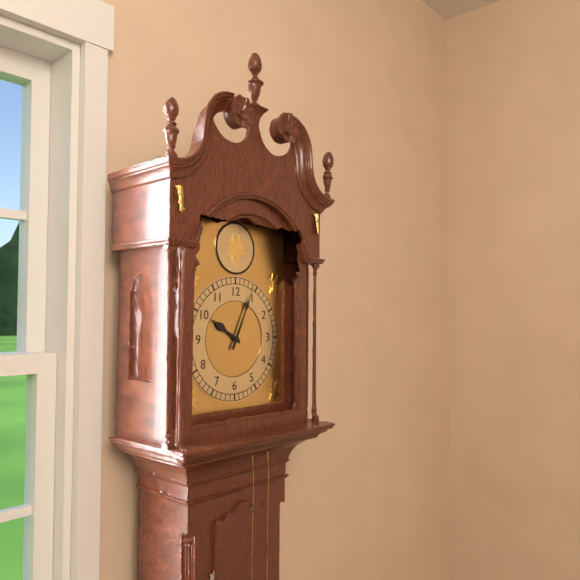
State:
10h04
